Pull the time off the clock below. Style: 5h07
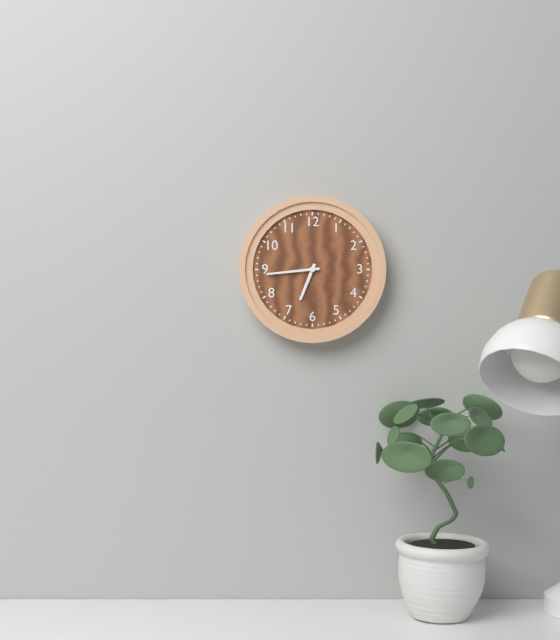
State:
6h44
